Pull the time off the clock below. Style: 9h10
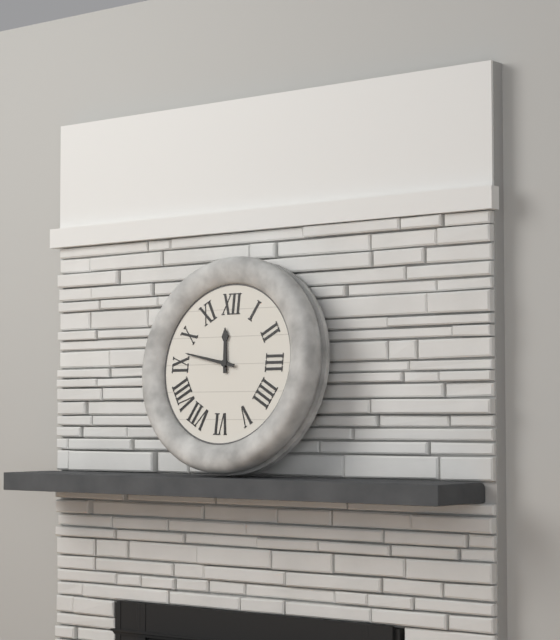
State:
11h47
